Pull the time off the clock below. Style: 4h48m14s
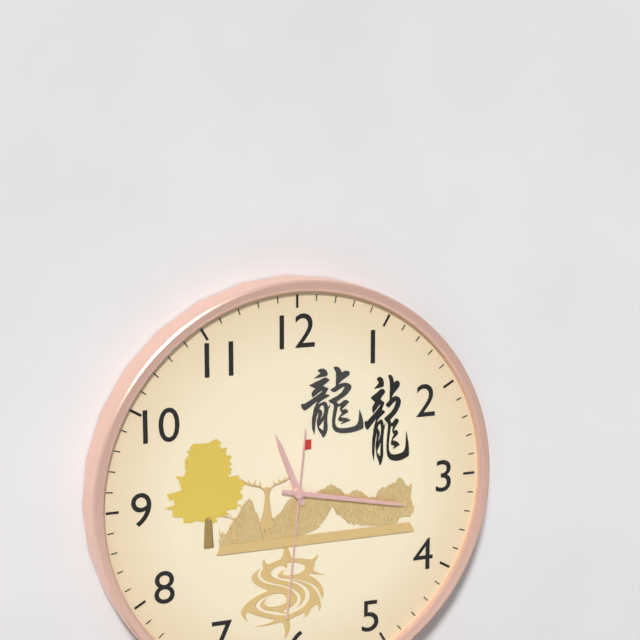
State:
11h17m31s
